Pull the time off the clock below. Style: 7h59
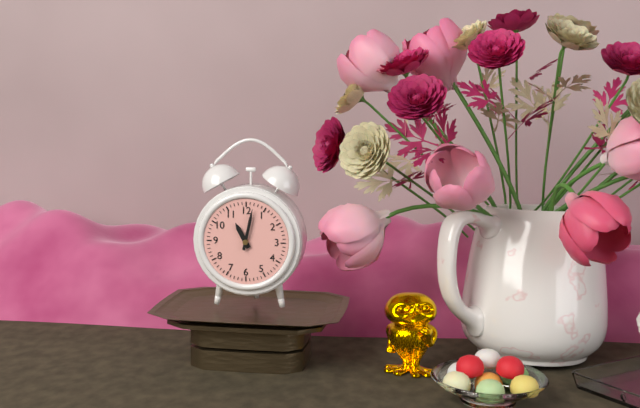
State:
11h02
